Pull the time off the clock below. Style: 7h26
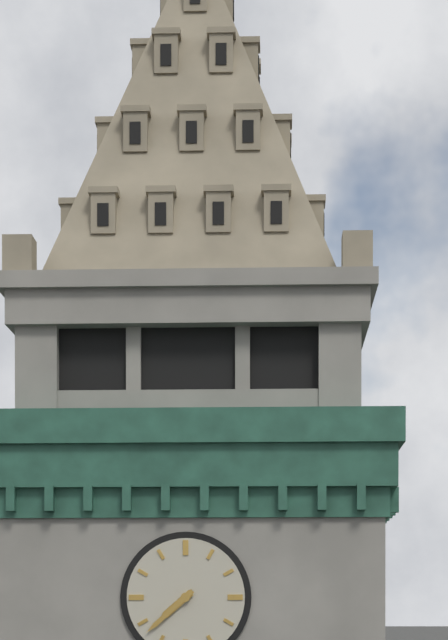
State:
7h38
